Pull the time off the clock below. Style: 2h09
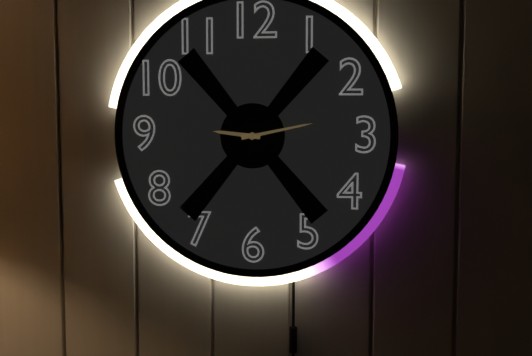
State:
9h13
